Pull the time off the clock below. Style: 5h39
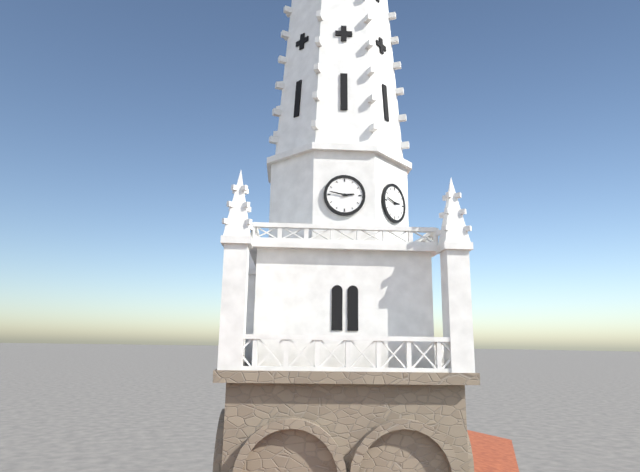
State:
2h47
